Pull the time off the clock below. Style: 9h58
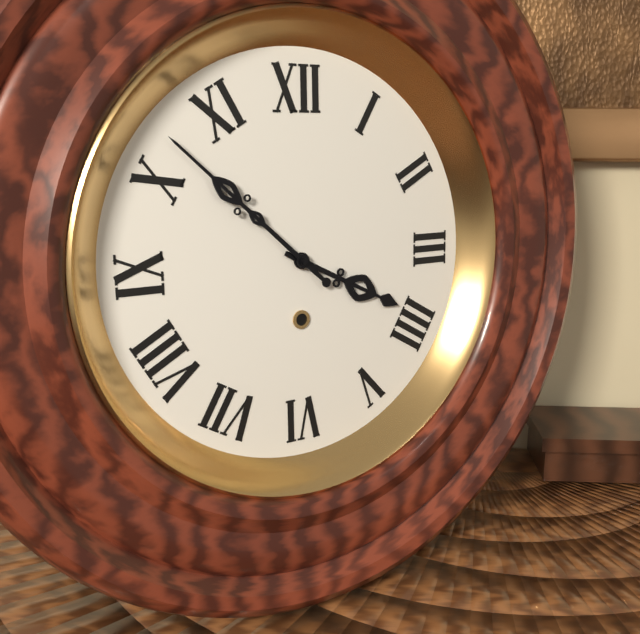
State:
3h52
